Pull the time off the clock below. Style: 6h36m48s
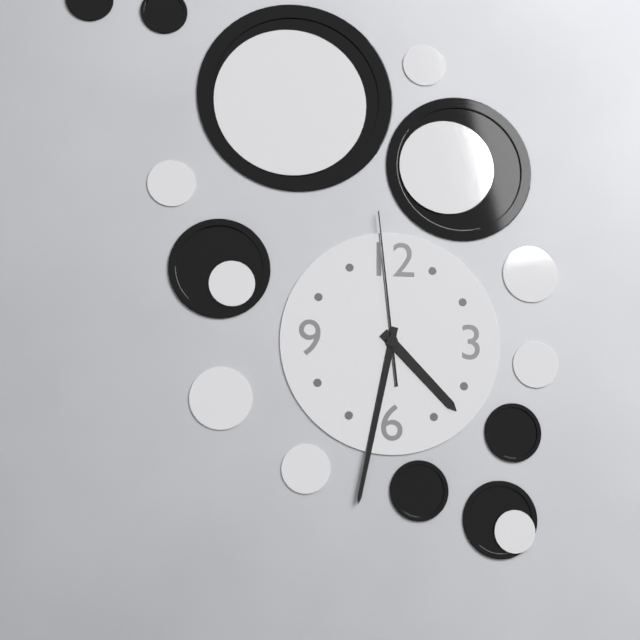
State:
4h32m59s
